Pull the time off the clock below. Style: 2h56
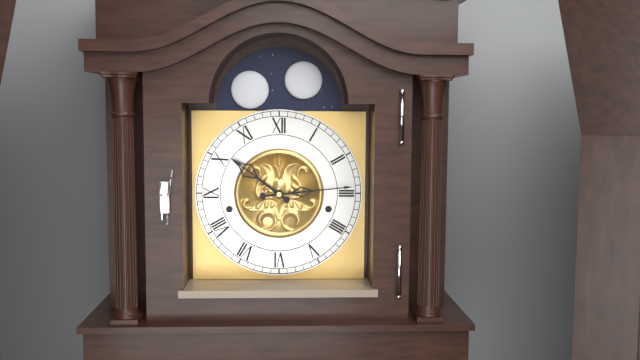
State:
10h14
